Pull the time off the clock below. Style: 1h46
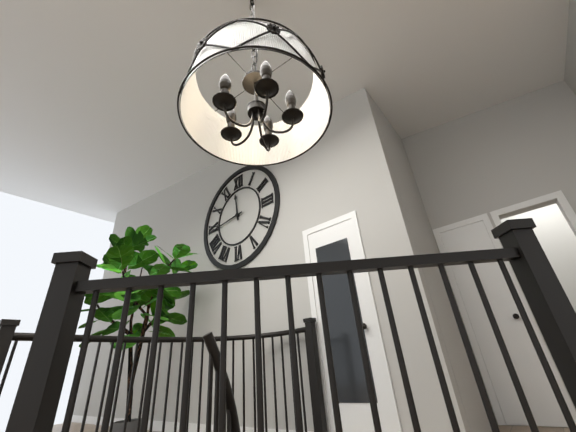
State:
11h44
